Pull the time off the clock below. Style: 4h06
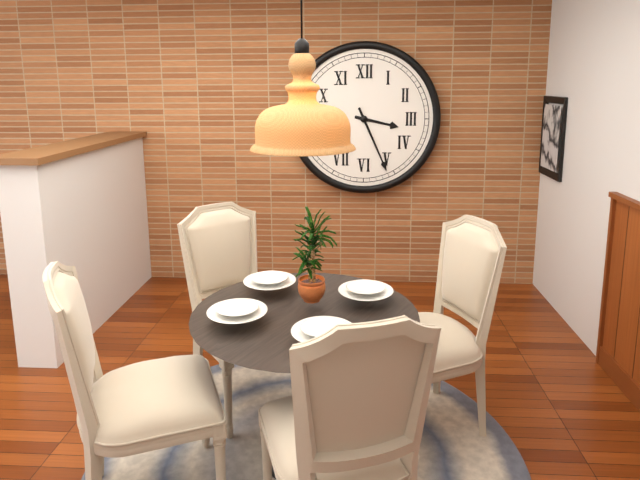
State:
3h26
